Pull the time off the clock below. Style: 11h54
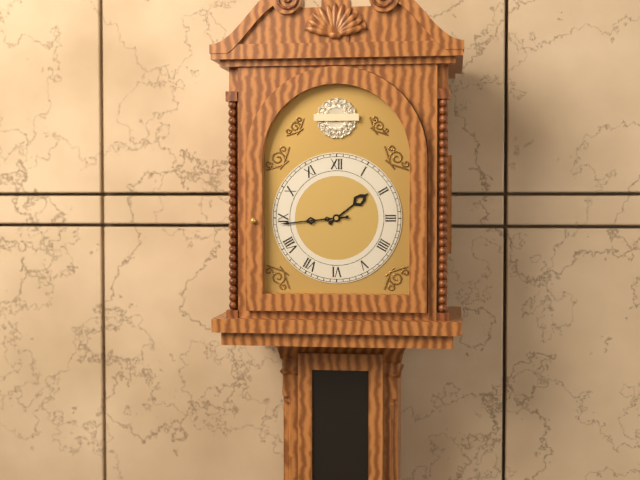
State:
1h44
